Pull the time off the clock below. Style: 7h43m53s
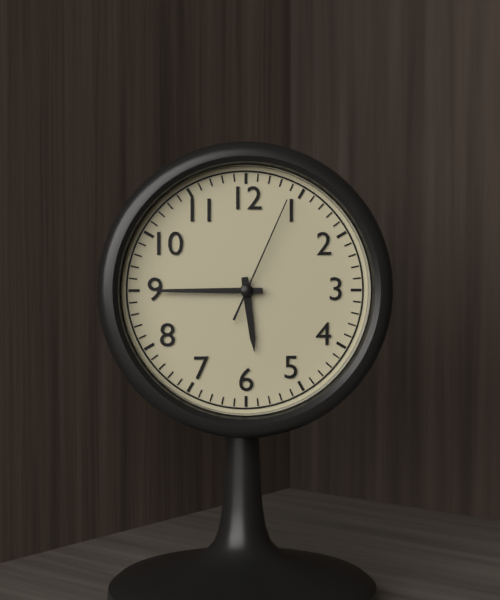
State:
5h45m04s
